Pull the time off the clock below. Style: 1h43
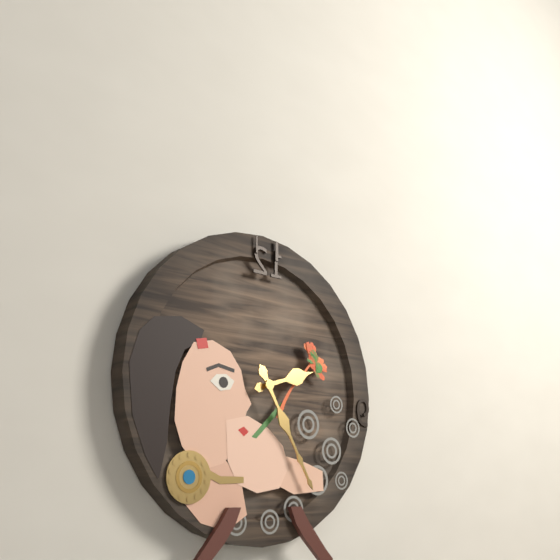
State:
2h25
